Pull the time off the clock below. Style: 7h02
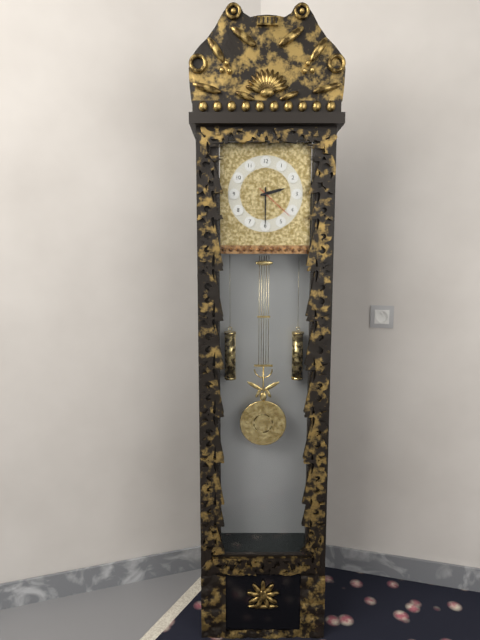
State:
2h30
